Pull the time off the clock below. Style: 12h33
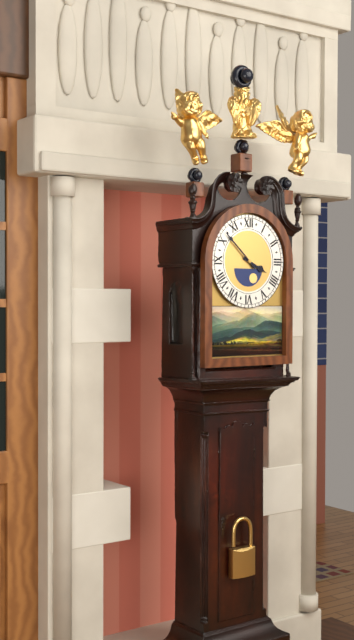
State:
3h52
